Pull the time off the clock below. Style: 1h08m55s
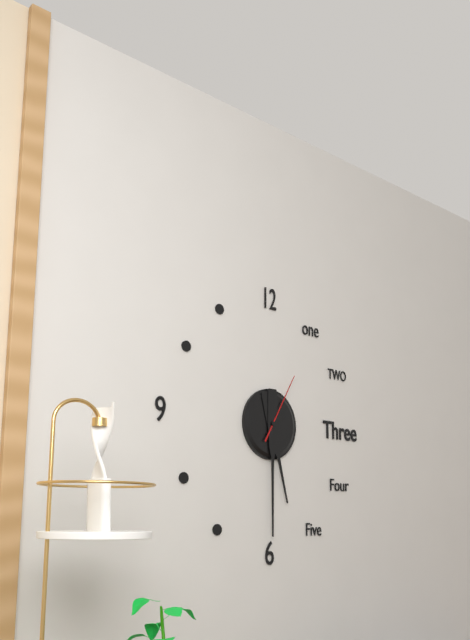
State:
5h30m05s
